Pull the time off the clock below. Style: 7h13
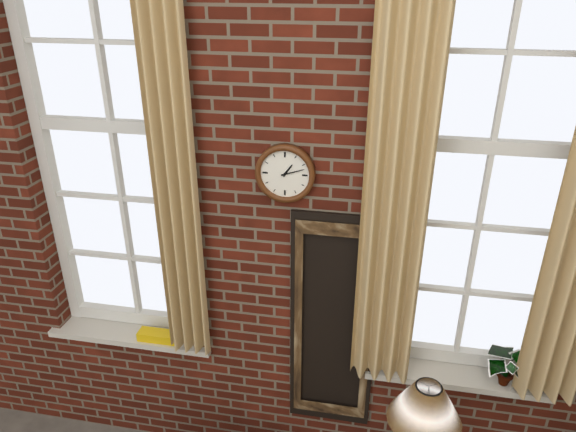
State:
1h12
